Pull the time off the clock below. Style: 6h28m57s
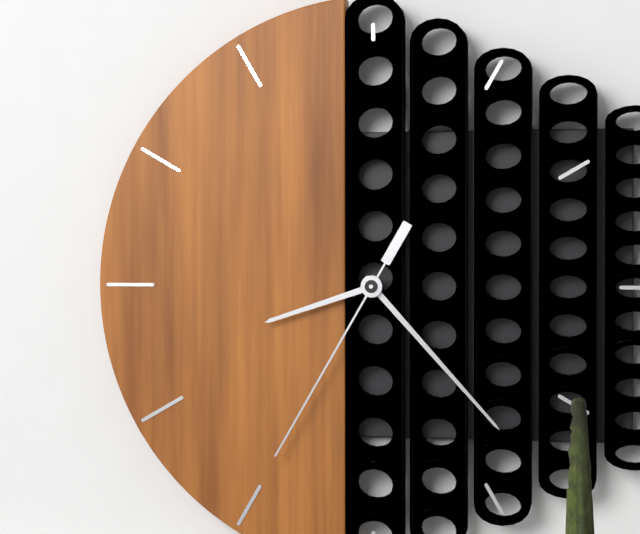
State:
8h23m35s
